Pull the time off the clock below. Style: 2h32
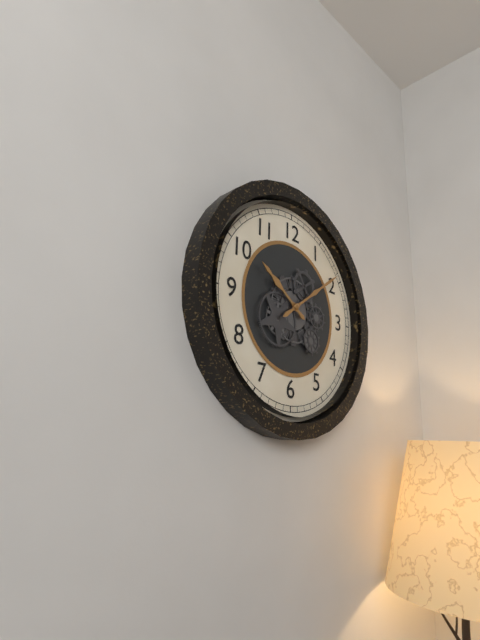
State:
10h09
